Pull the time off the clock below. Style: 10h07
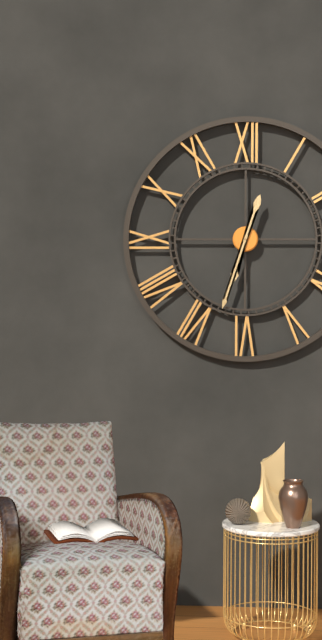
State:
6h33
